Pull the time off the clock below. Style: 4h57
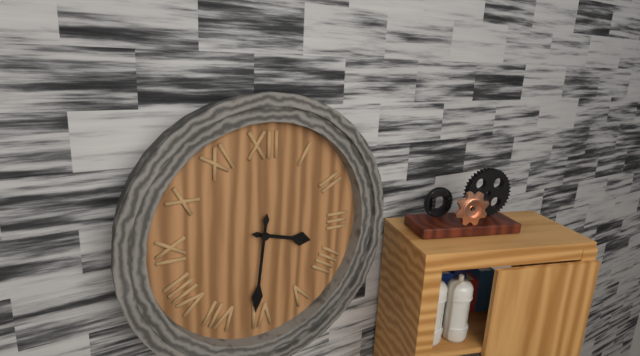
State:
3h31
